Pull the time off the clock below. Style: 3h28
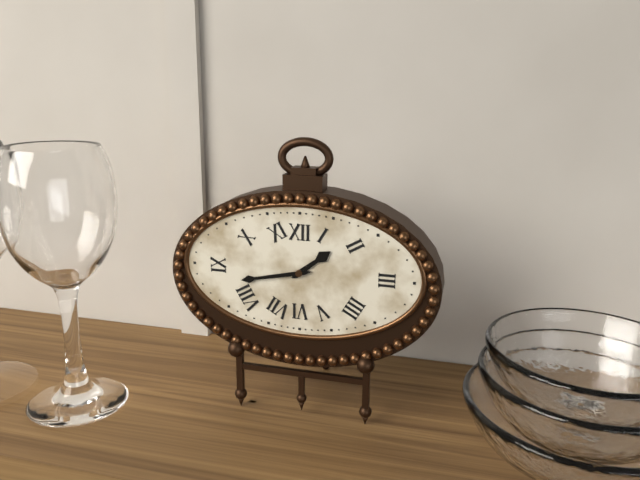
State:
1h43
